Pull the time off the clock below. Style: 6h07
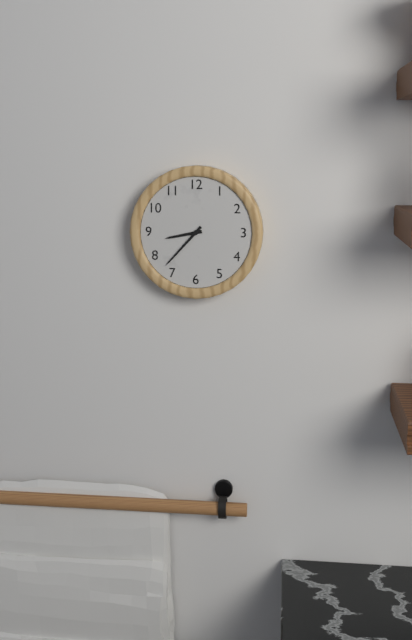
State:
8h37
